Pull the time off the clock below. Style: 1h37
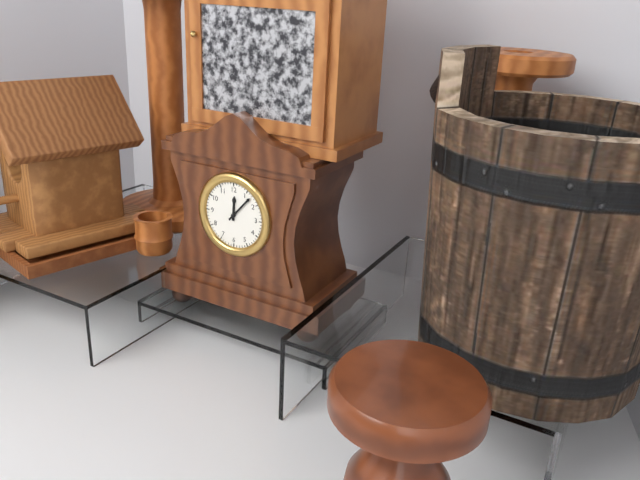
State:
12h07
